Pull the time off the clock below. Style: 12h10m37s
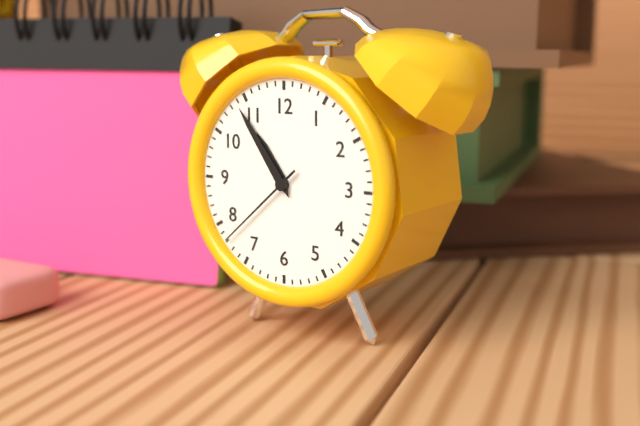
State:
10h54m38s
